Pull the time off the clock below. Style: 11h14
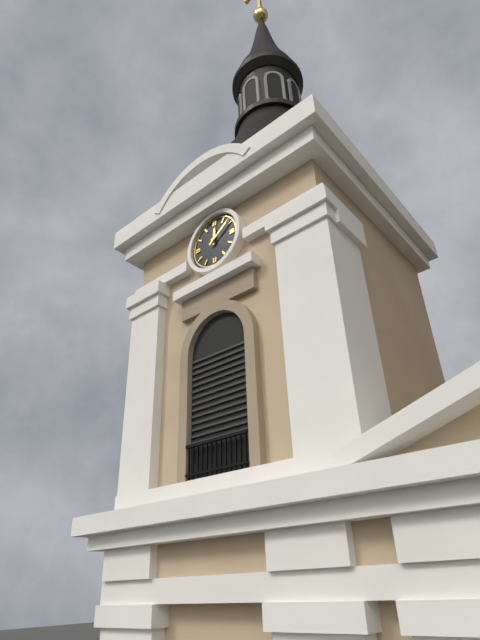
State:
12h09
